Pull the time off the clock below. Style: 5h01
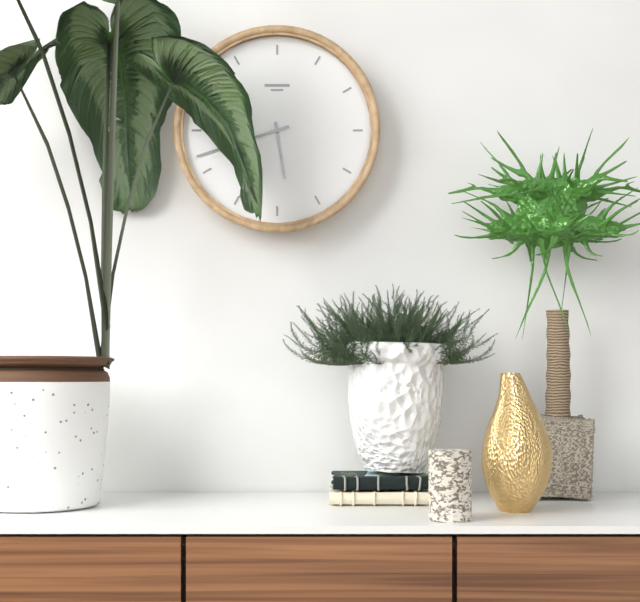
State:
5h42
